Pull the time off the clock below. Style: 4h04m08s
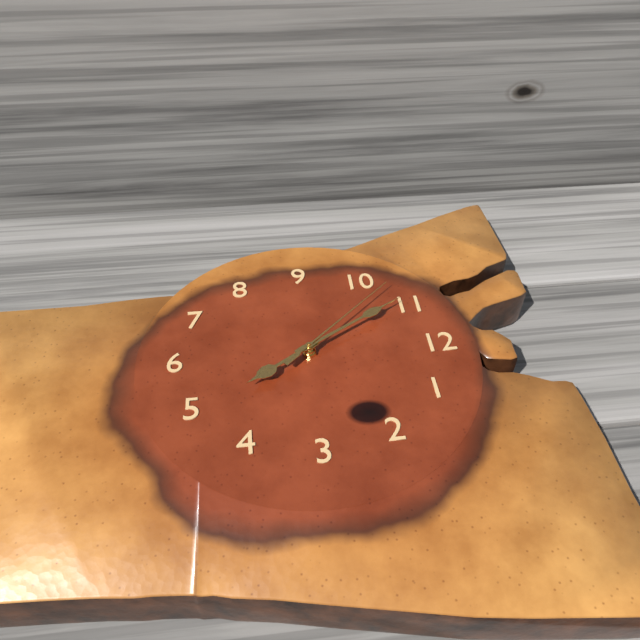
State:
4h55m53s
